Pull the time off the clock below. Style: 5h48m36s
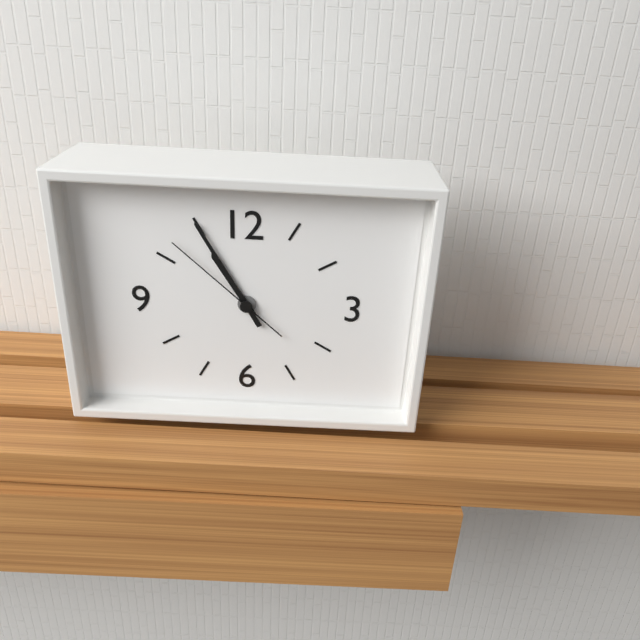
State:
10h55m52s
